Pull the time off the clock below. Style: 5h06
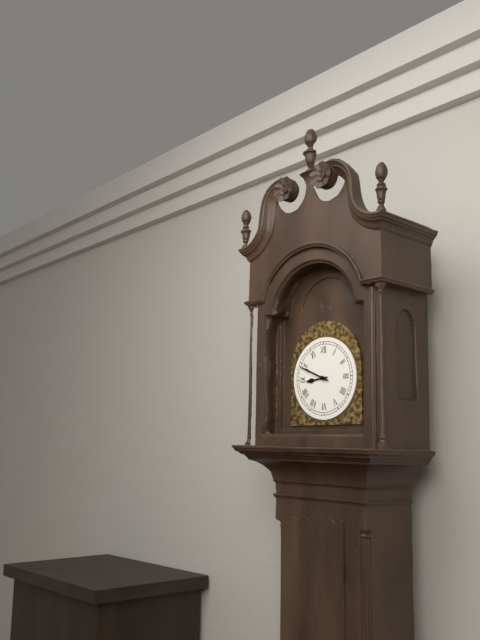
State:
8h49
